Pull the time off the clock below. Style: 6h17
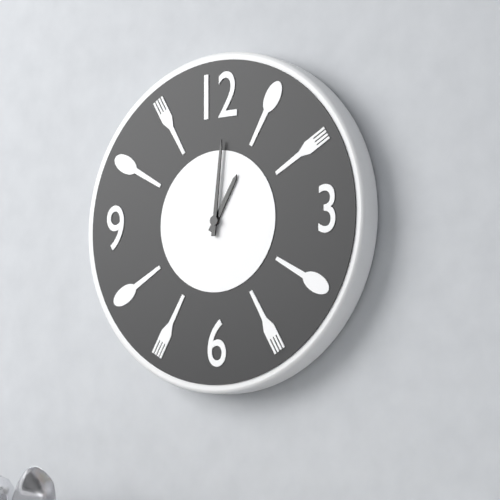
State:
1h01
